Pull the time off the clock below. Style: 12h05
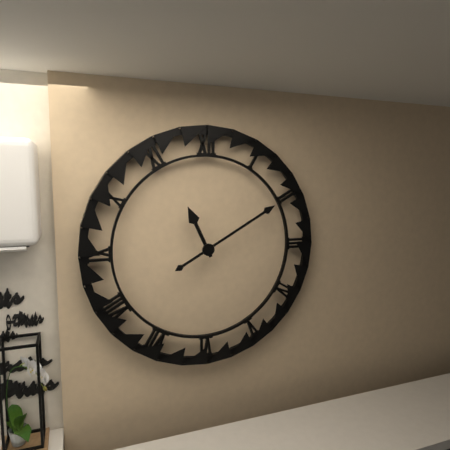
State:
11h10
